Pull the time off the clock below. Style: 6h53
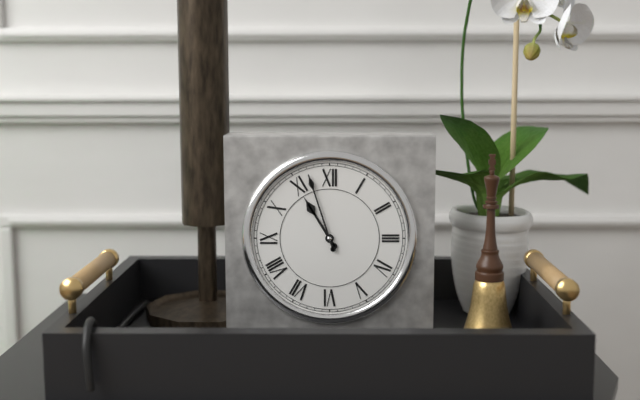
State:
10h57
